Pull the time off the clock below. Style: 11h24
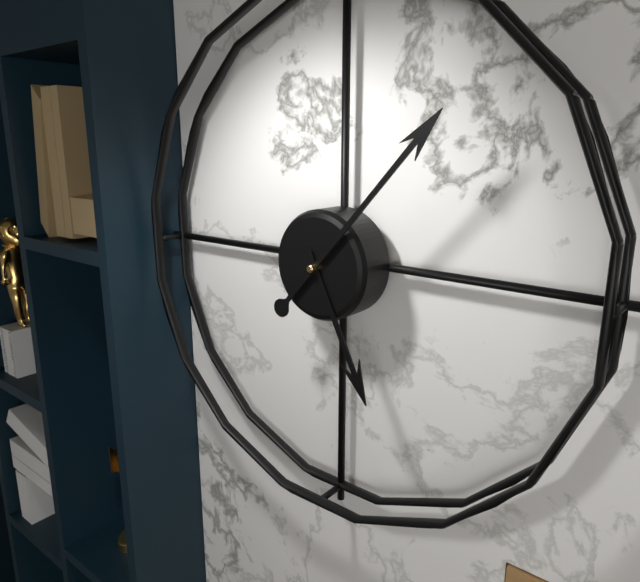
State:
5h07
